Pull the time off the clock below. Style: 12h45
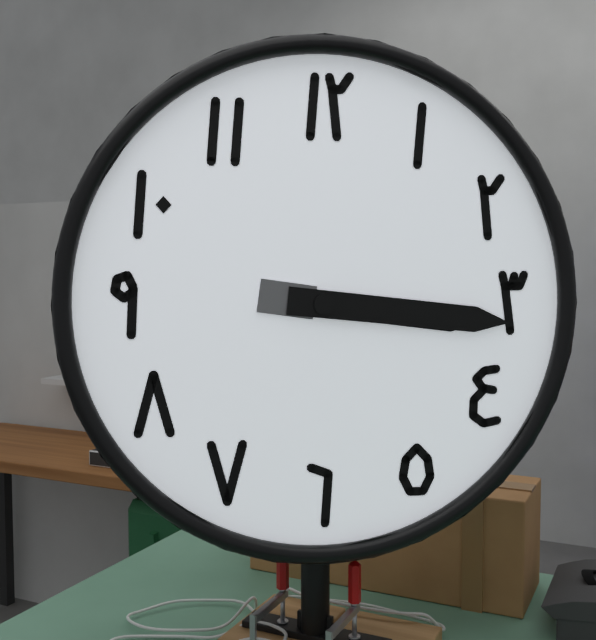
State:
3h16
